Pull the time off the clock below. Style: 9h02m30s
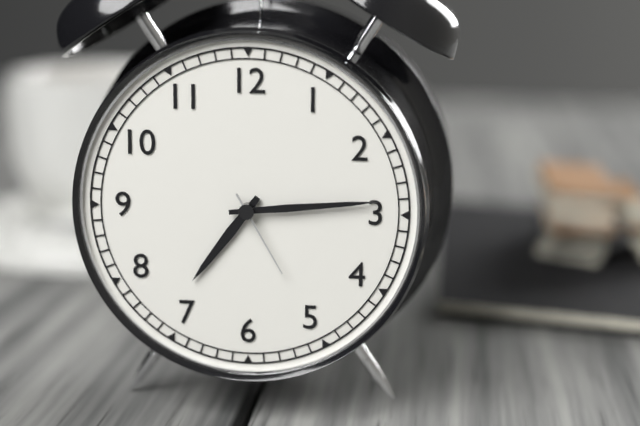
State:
7h14m25s
